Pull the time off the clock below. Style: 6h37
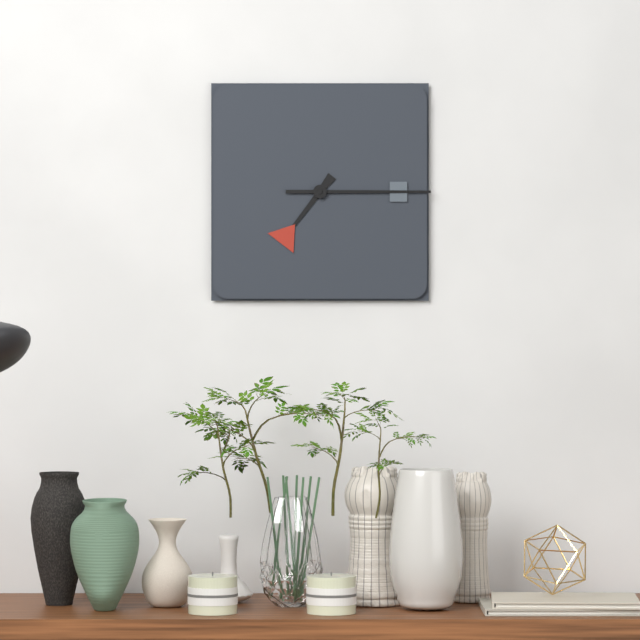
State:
7h15
